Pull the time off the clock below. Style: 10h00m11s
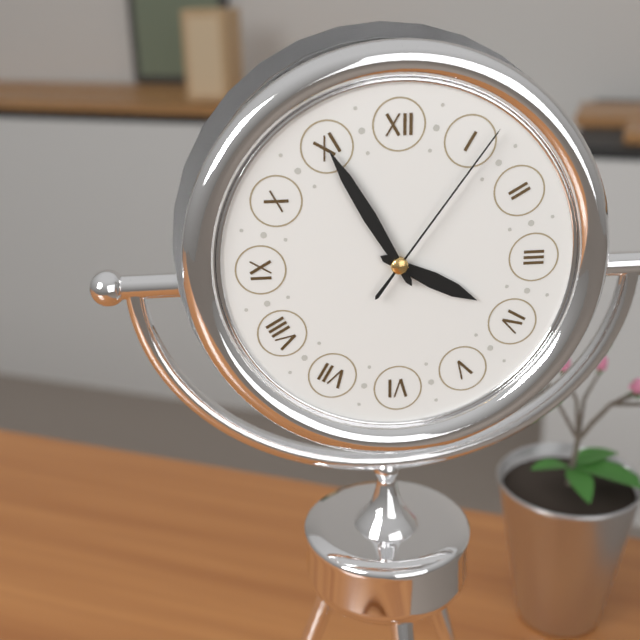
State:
3h55m06s
